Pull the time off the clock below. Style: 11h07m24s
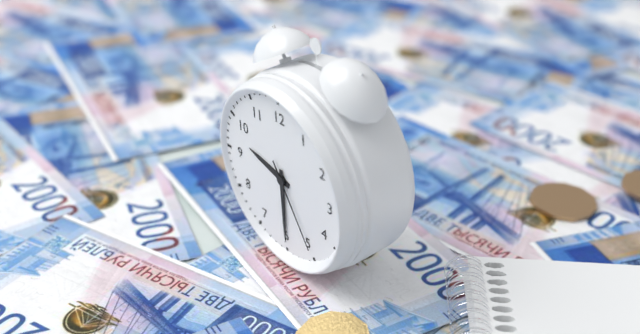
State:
9h30m25s
